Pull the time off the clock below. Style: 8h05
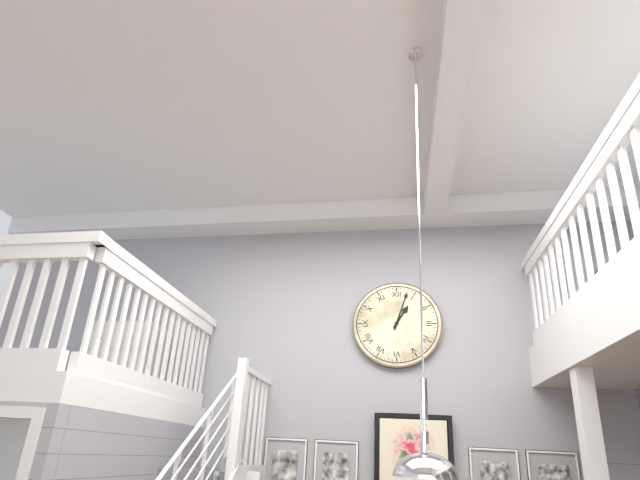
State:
1h03
